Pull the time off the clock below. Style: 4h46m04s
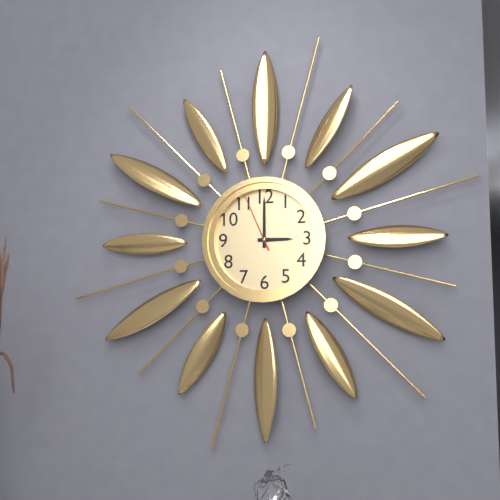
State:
3h00m56s
